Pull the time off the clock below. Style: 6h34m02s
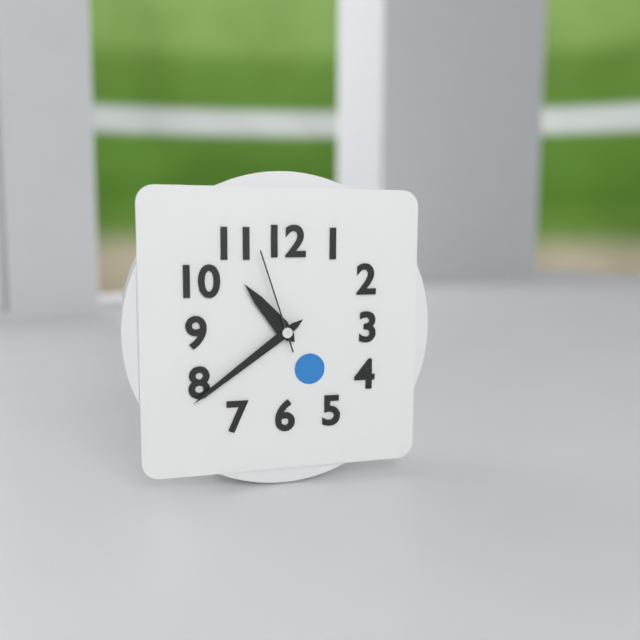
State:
10h39m57s
